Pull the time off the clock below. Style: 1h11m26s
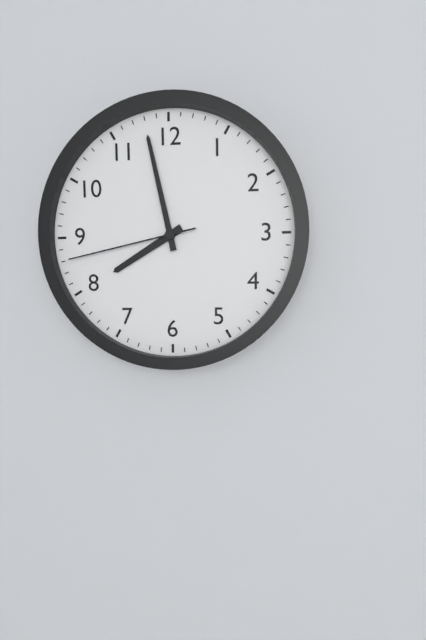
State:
7h58m43s
